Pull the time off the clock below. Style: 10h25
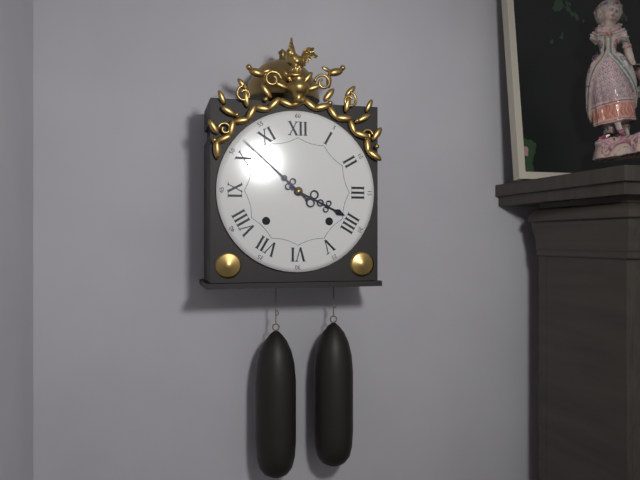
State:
3h52
